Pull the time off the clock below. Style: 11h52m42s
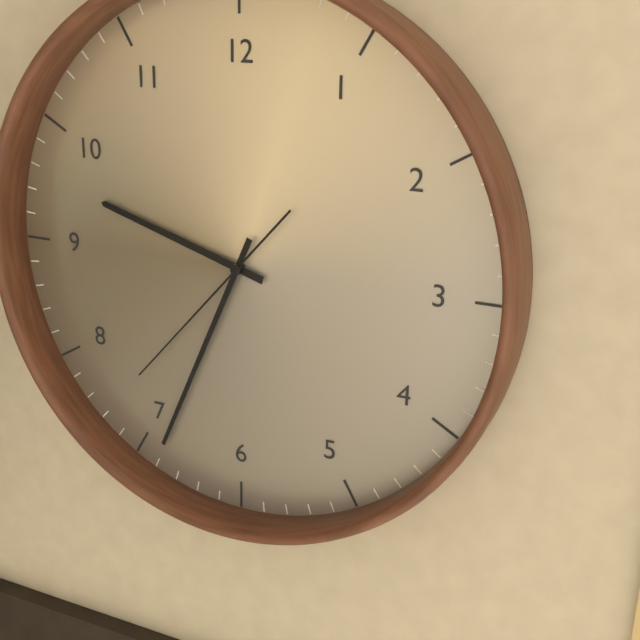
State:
9h34m37s
